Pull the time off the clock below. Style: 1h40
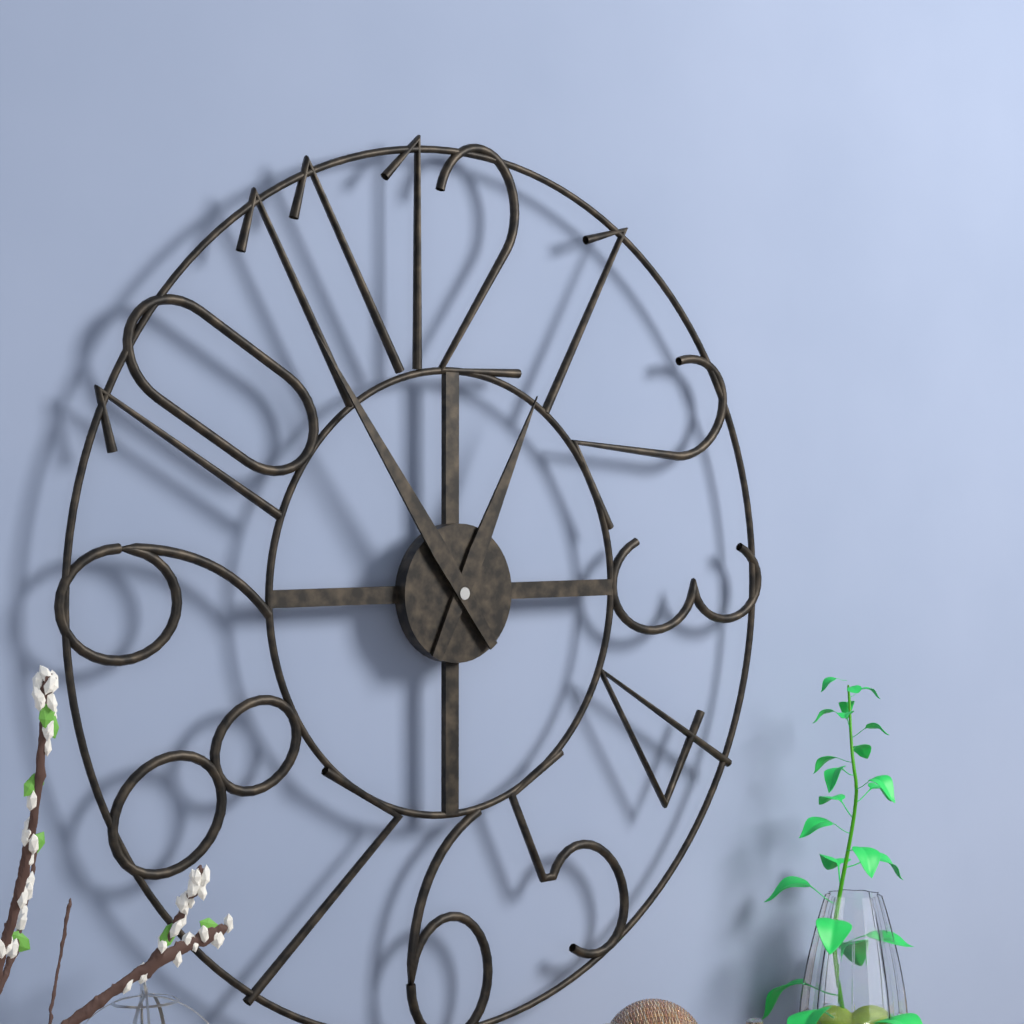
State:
12h54
